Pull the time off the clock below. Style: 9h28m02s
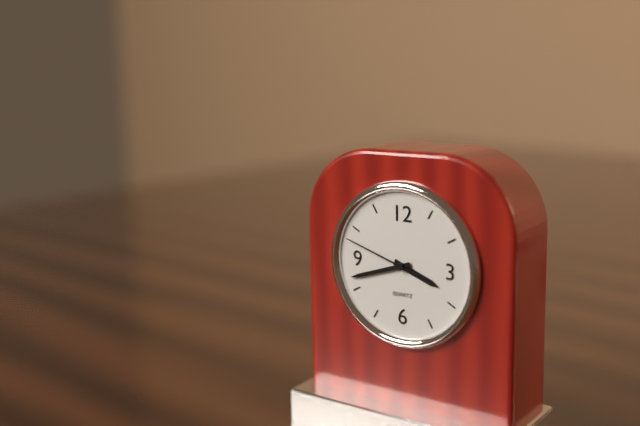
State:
3h42m48s
